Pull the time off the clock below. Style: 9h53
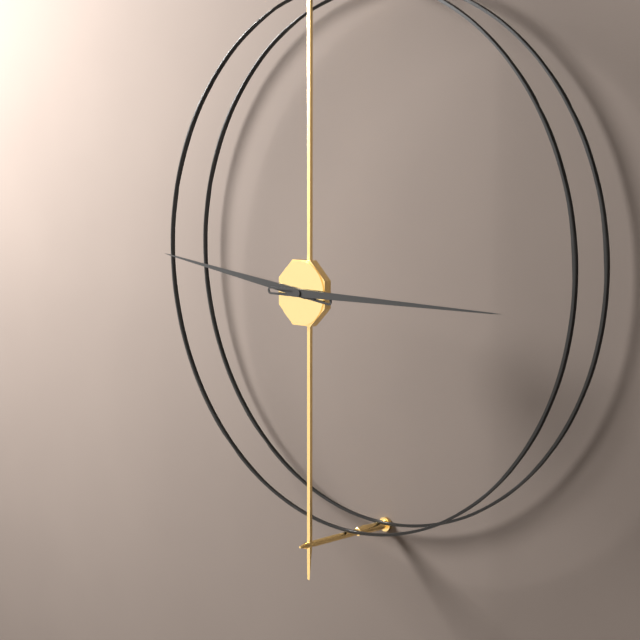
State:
9h15
